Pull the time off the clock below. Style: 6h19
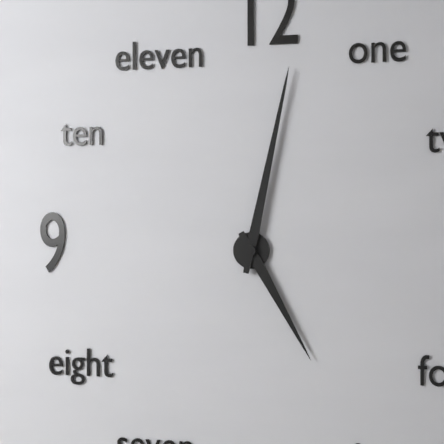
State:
5h02
